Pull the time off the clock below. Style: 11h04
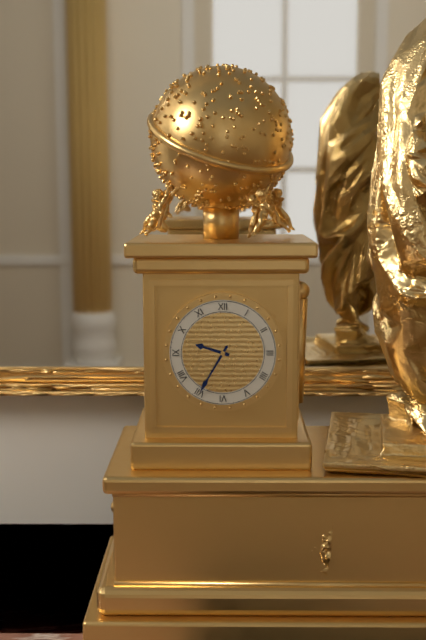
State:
9h35
